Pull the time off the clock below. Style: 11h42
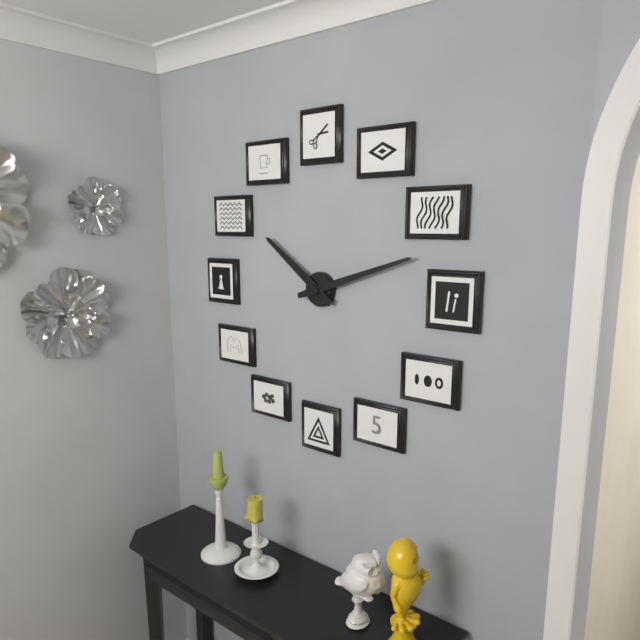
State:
10h12
